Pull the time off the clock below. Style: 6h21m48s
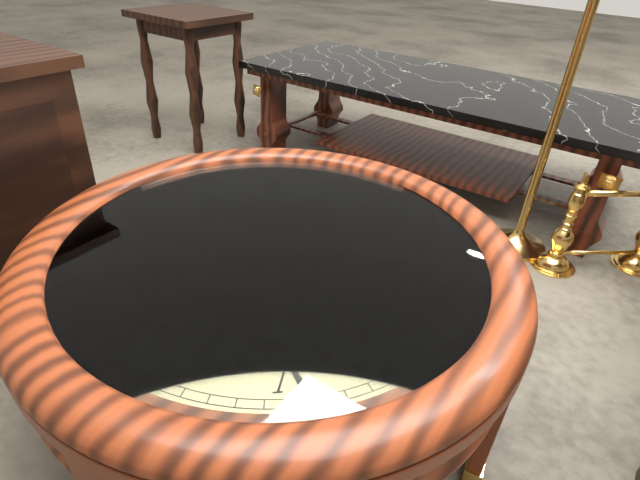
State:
12h51m08s
